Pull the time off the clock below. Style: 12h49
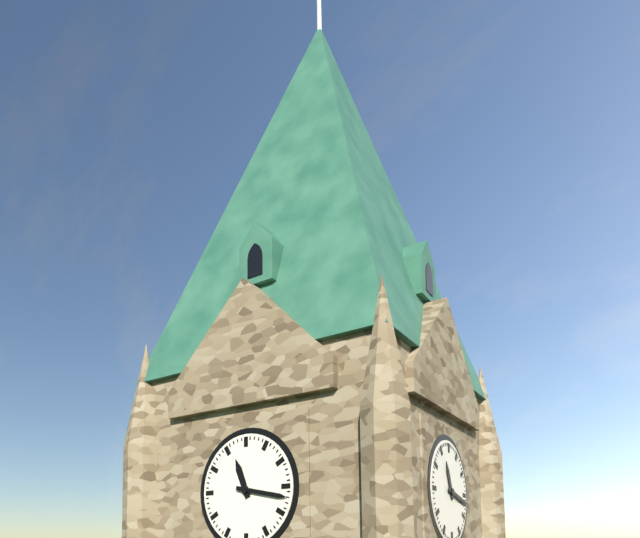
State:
11h17
